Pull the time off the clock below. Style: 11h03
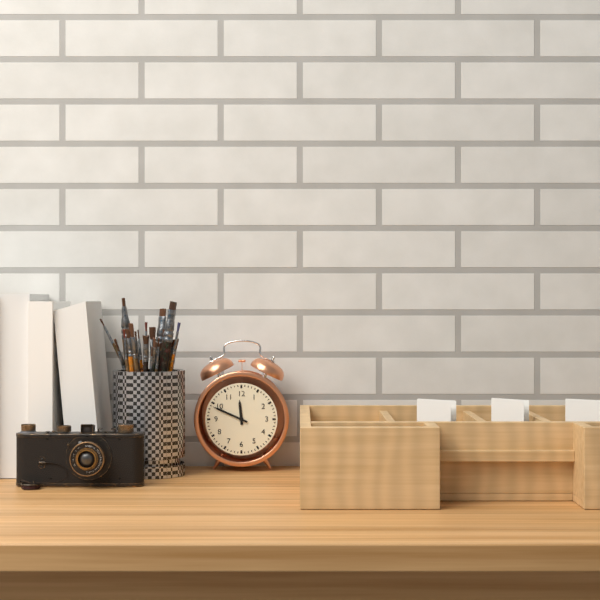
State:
11h49
